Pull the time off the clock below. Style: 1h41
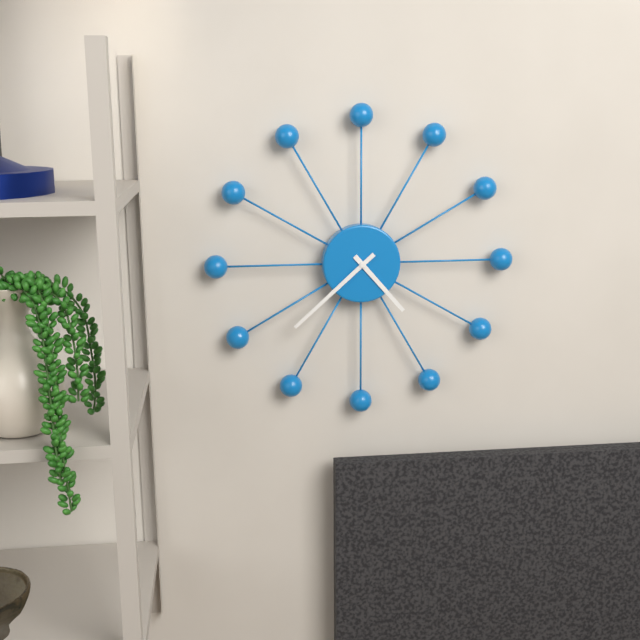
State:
4h38
